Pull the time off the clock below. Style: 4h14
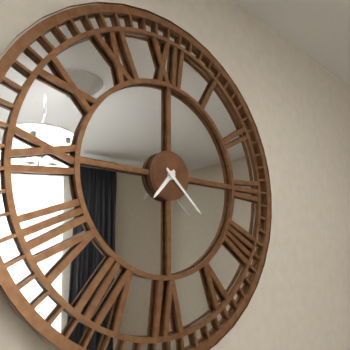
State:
7h22
